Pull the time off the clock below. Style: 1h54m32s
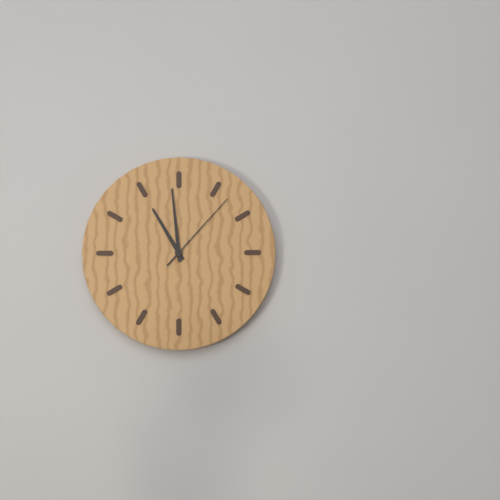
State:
10h59m07s
